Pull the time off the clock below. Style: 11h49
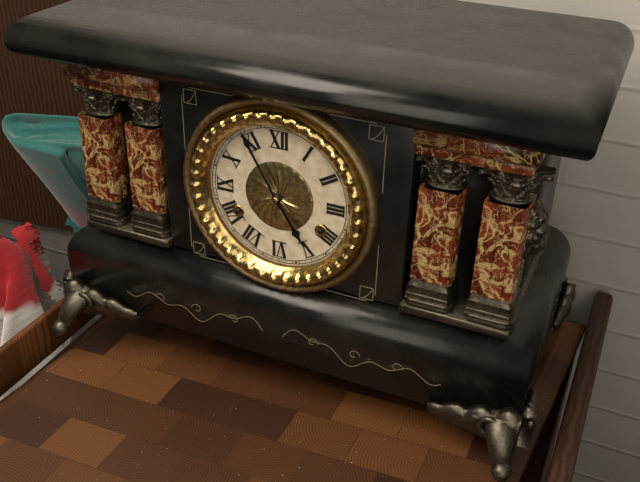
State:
4h55
